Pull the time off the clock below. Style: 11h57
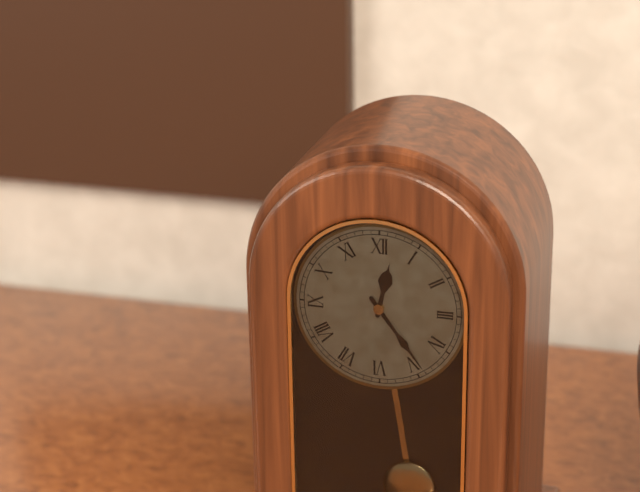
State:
12h24
